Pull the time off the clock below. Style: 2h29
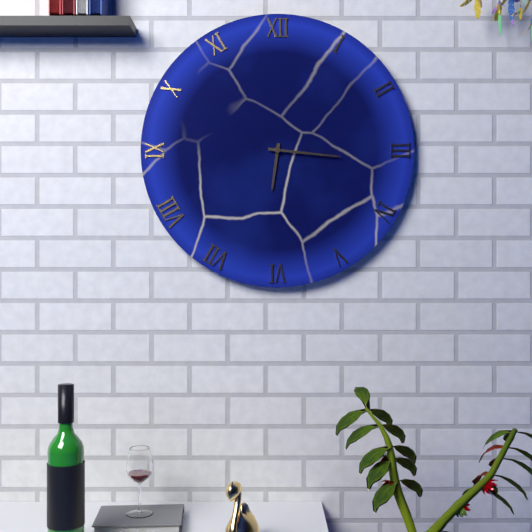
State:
6h16
